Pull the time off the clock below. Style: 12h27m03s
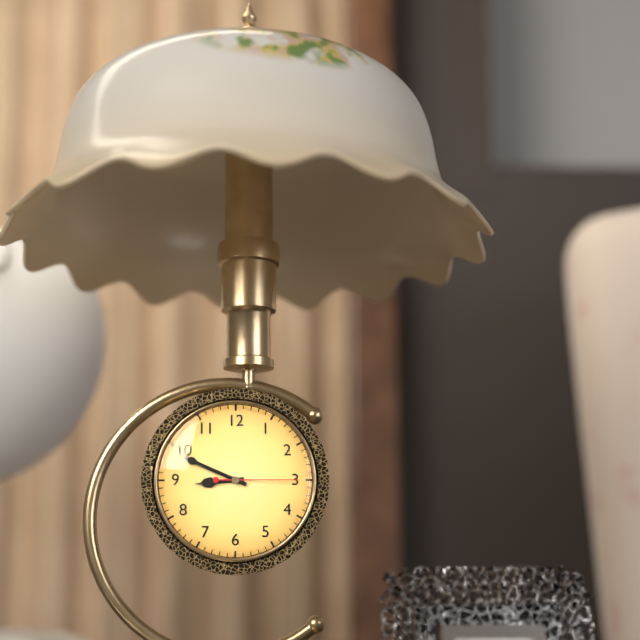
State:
8h49m15s
